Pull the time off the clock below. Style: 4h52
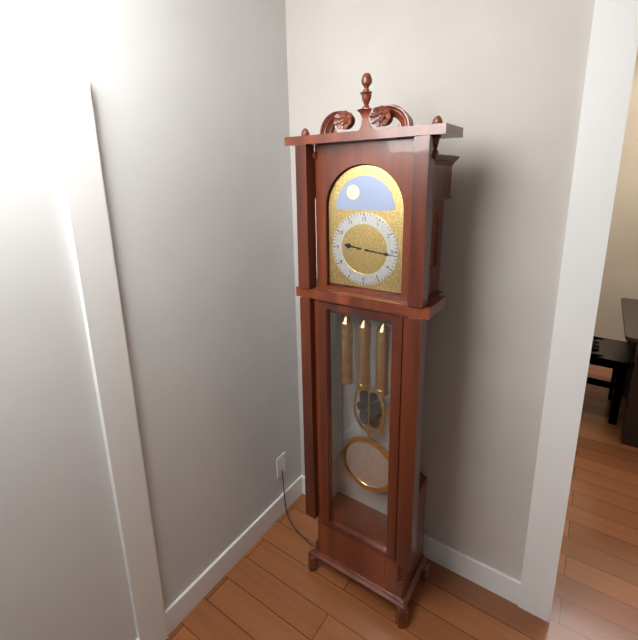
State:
9h16
